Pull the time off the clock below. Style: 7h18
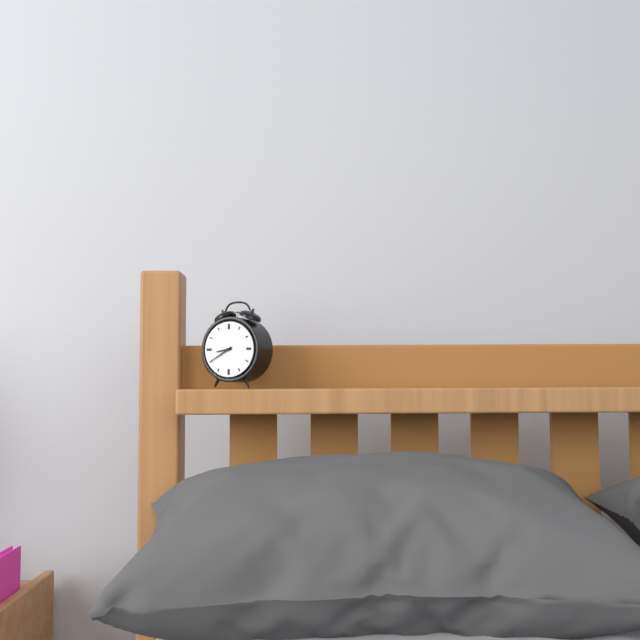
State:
8h40
